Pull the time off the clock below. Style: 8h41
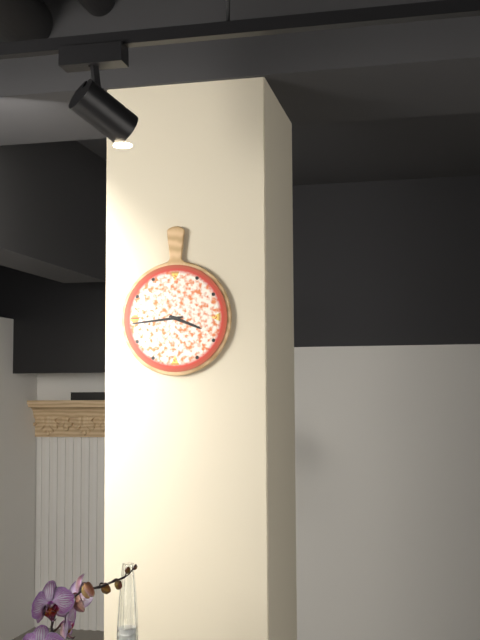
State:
3h44
